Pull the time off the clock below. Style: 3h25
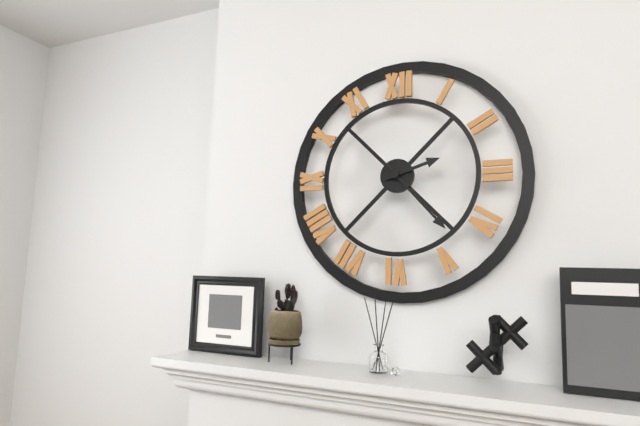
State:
2h23
